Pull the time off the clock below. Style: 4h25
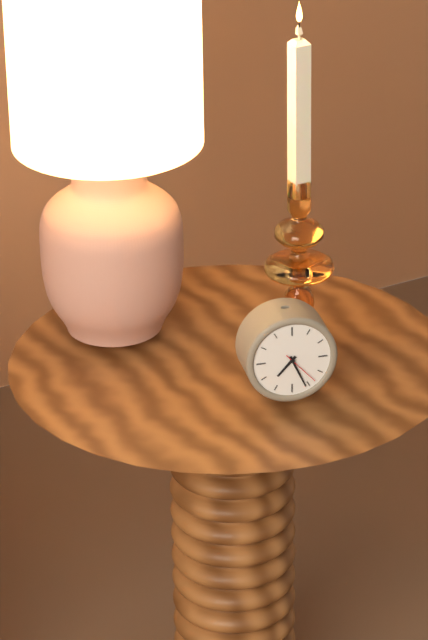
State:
7h26
